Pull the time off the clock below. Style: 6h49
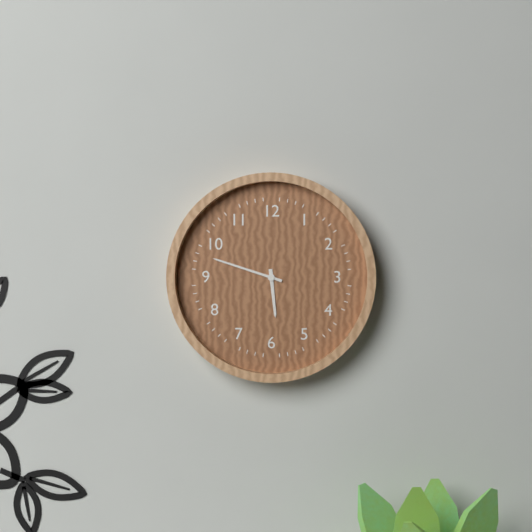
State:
5h48
